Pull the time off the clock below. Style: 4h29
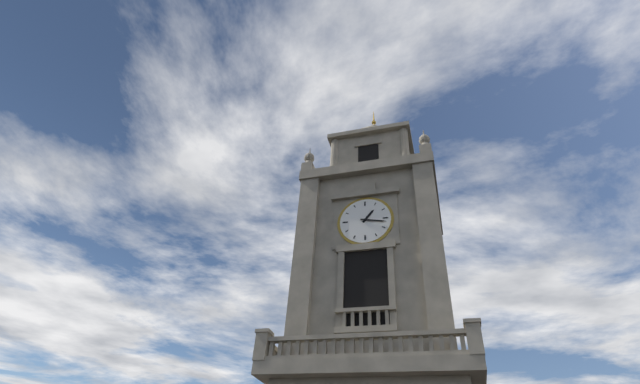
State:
1h17
